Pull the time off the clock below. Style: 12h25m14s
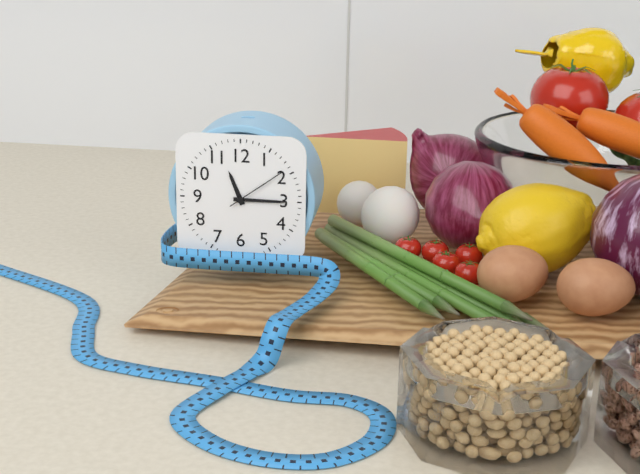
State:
11h15m09s
